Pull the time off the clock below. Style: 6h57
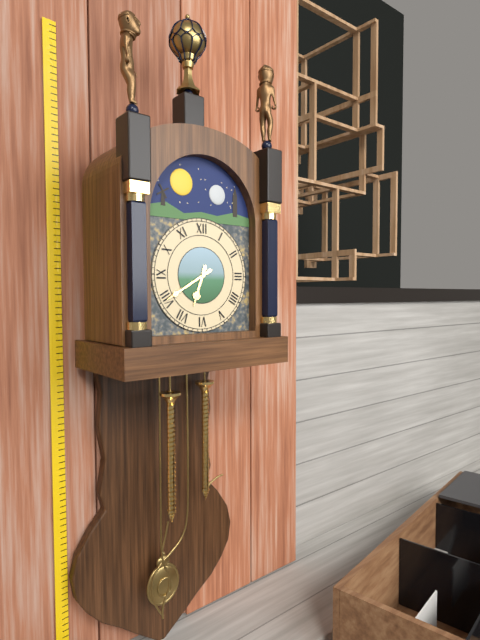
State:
6h40
